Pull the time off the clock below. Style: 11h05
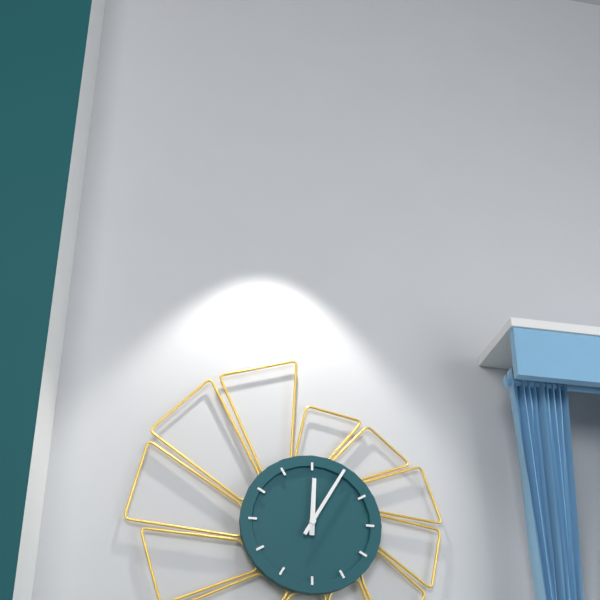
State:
12h05
